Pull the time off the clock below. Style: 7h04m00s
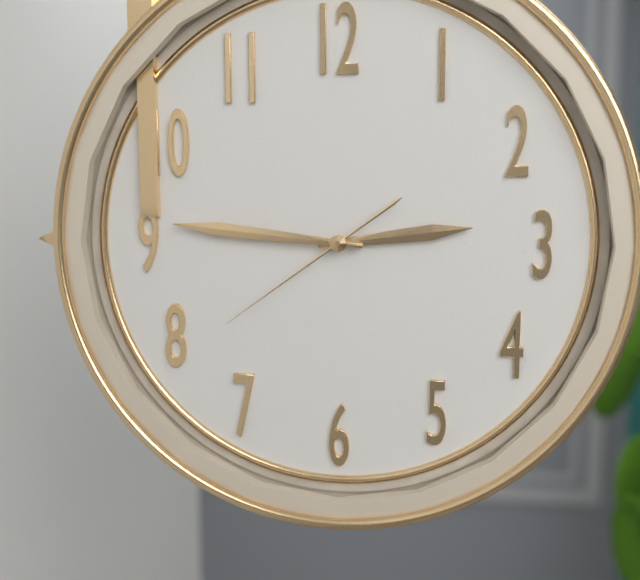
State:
2h46m39s
